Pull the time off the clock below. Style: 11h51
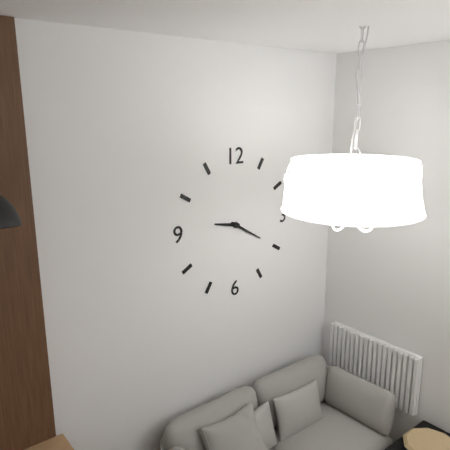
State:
9h20
